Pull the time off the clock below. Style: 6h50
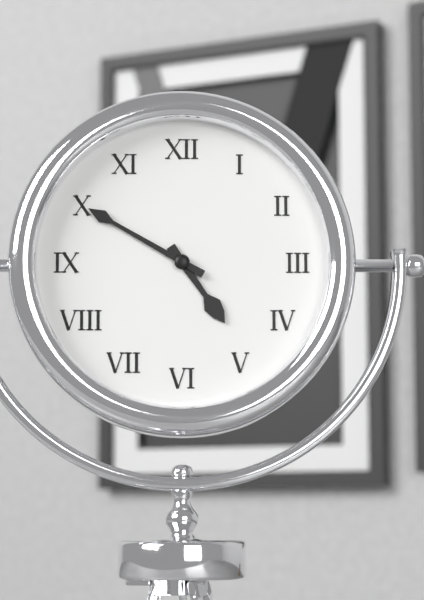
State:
4h50
